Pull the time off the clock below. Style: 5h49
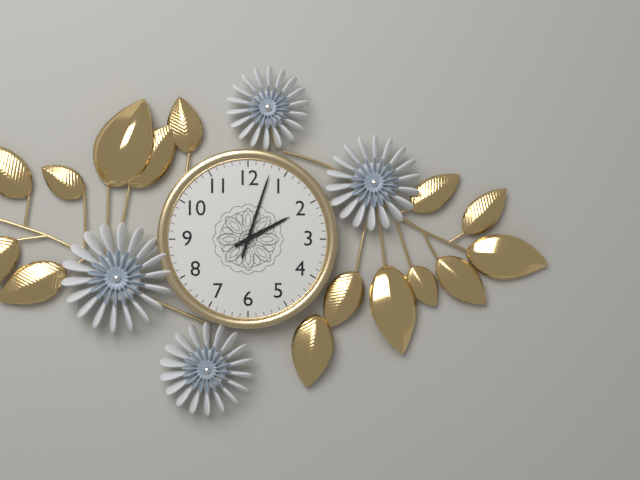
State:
2h03
